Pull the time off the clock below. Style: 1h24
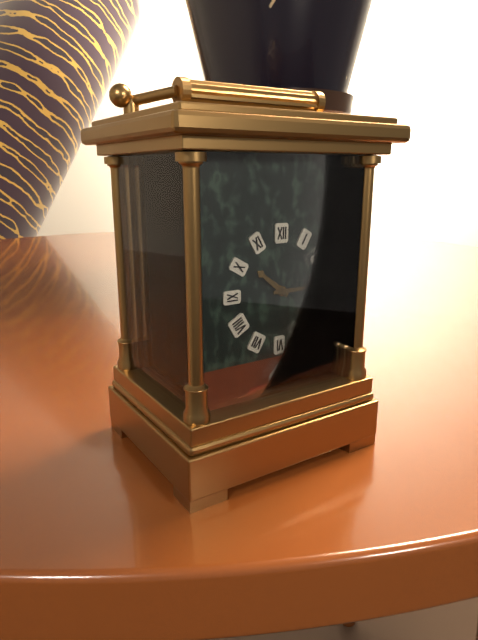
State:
10h15
